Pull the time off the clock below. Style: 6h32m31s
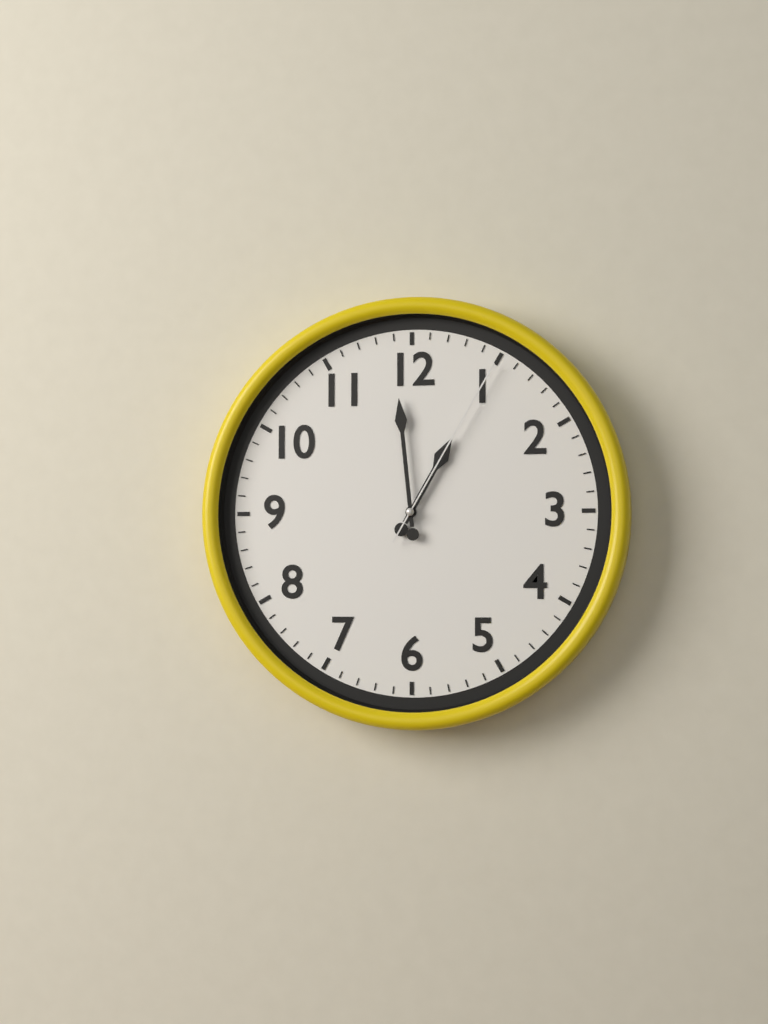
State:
12h59m05s
